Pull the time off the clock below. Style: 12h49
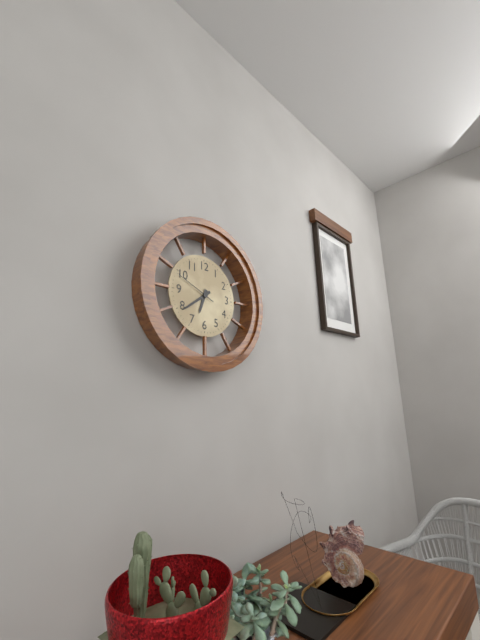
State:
6h39
